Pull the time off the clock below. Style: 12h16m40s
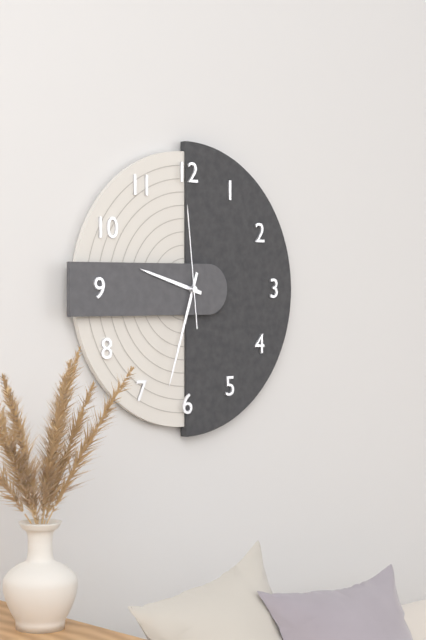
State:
9h33m59s
